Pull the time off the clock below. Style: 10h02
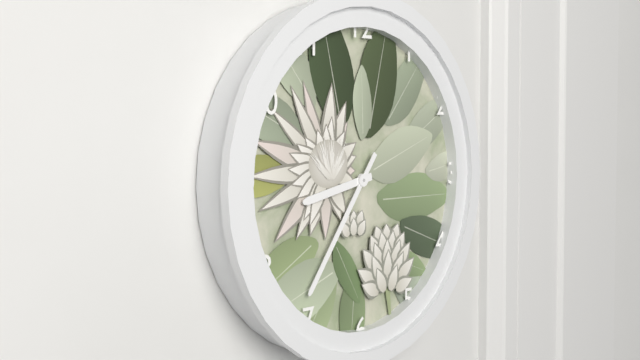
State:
8h36
